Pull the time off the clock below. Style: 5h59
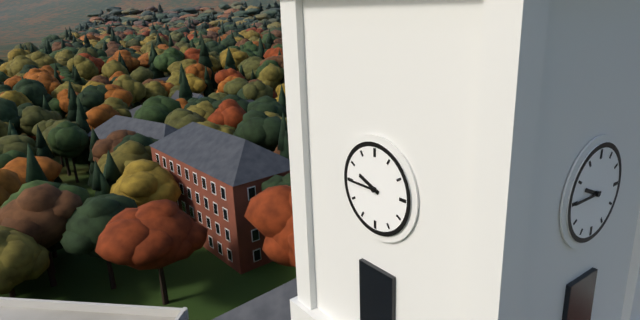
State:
9h45
